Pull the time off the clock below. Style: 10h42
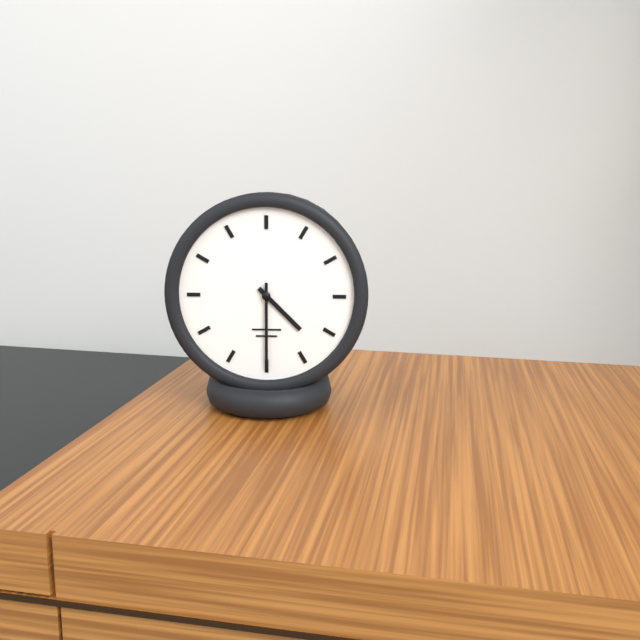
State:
4h30
